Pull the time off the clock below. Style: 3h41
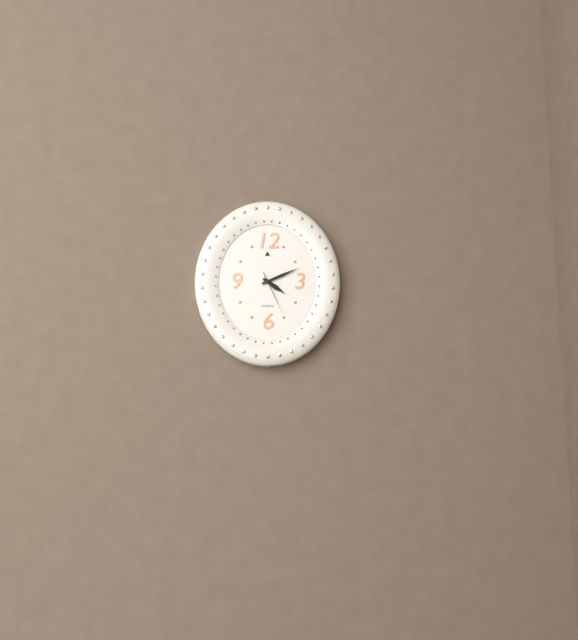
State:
4h11
